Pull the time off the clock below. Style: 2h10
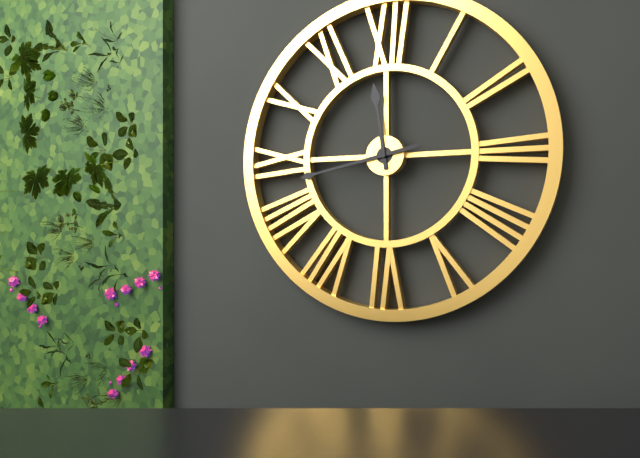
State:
11h43
